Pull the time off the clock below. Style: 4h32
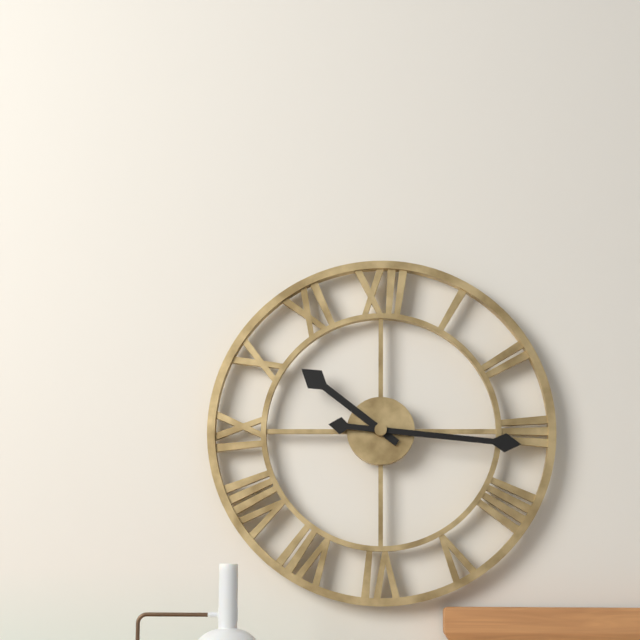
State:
10h16
